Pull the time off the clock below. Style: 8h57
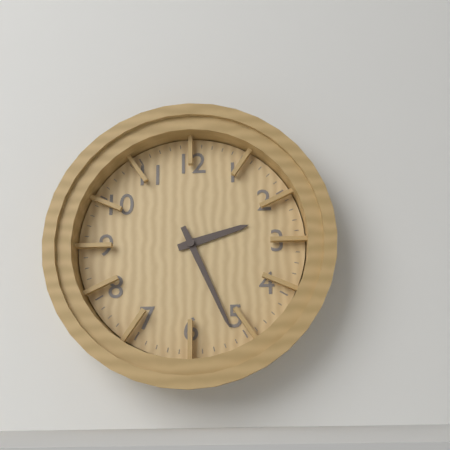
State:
2h26
